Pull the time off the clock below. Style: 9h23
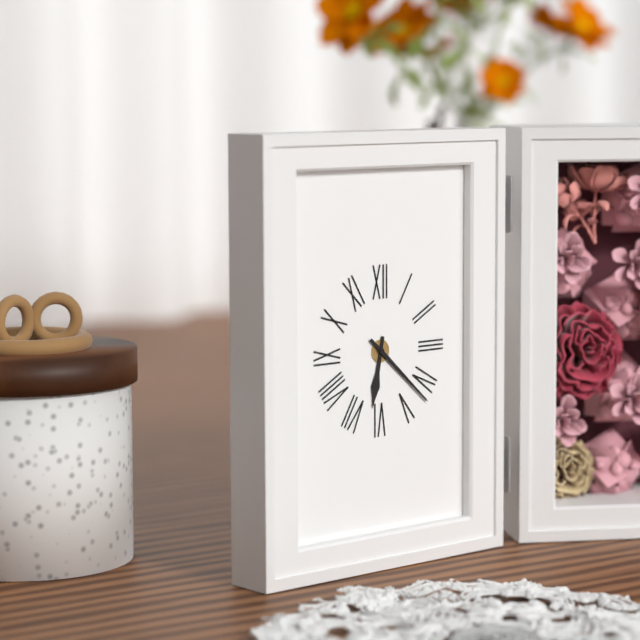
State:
6h22
